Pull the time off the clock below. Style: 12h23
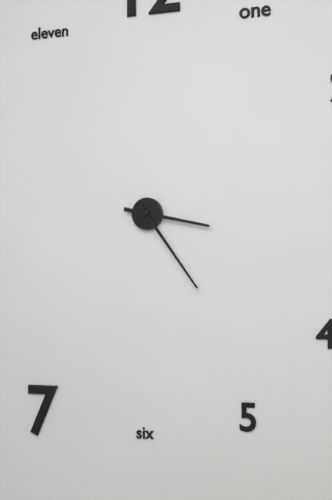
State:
3h24
